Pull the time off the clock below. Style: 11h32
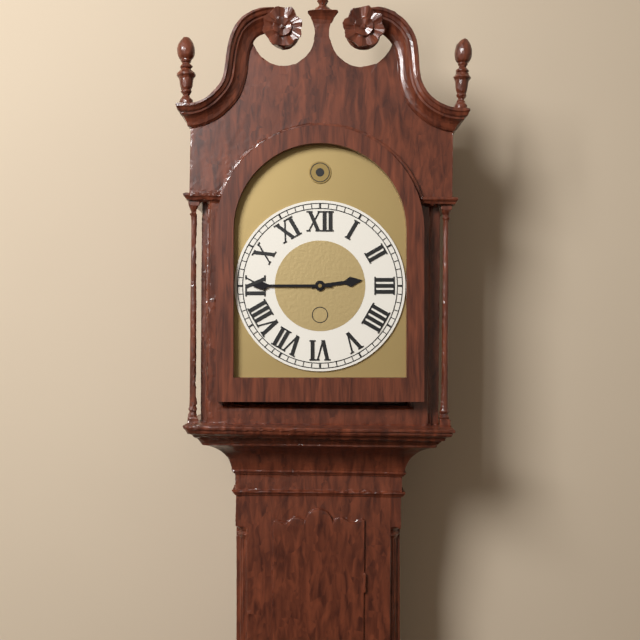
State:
2h45
